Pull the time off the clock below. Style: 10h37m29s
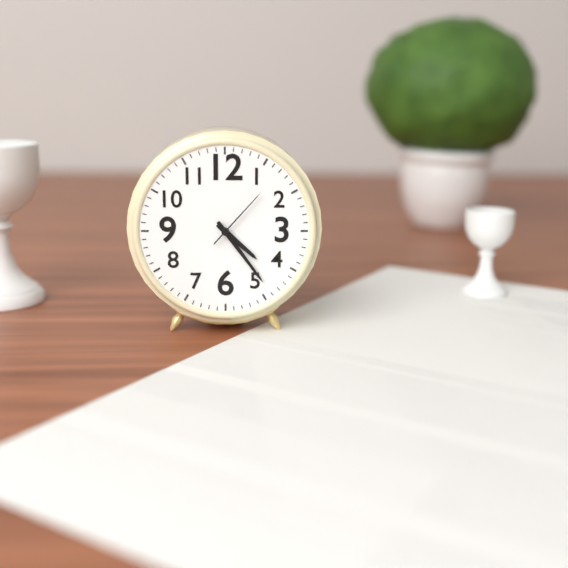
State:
4h24m07s
